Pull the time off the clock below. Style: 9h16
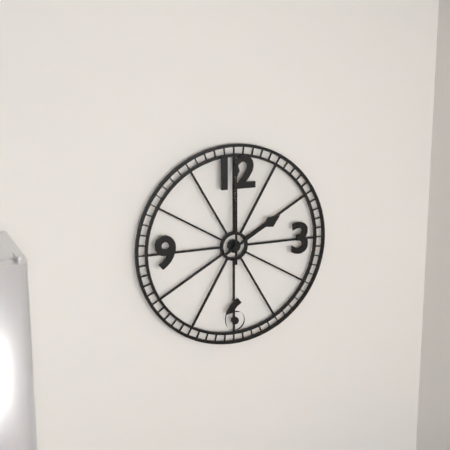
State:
2h00
